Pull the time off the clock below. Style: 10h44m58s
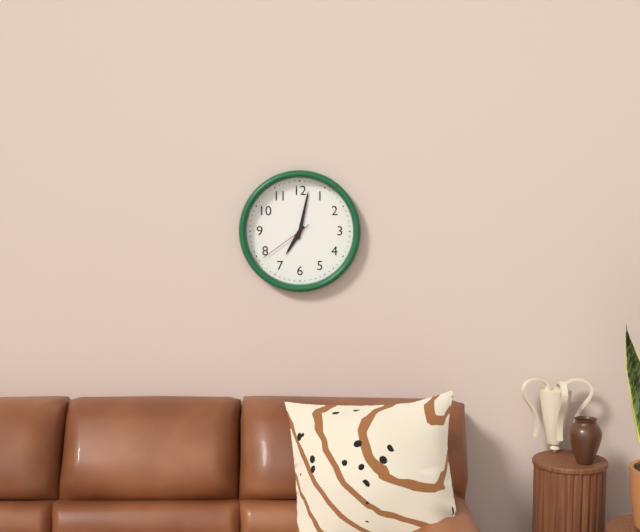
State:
7h02m39s
